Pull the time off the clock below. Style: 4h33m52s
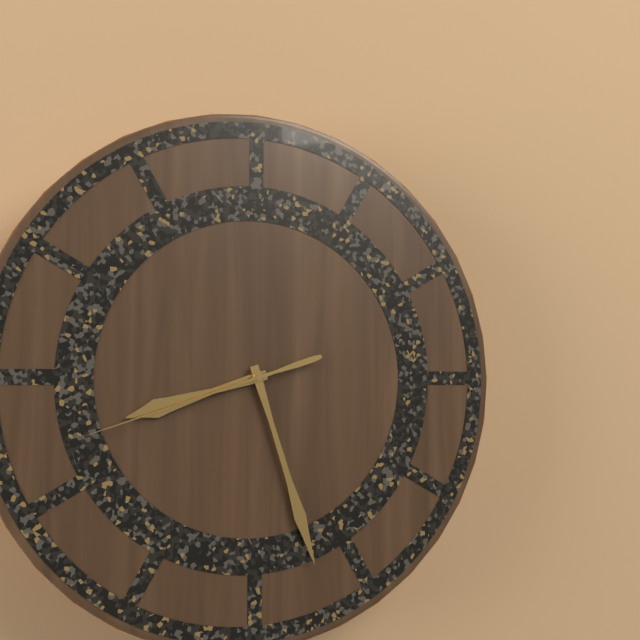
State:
8h27m42s
